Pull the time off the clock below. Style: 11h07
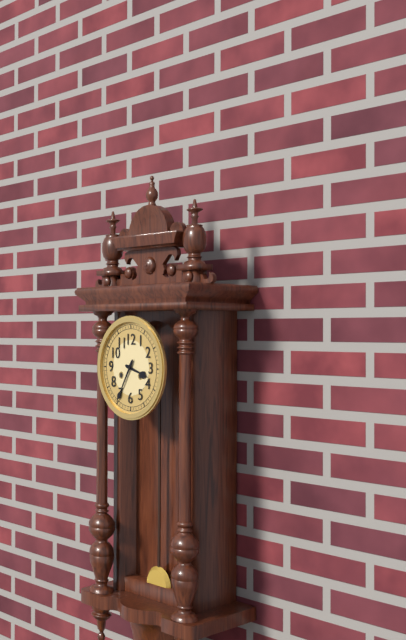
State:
3h35
